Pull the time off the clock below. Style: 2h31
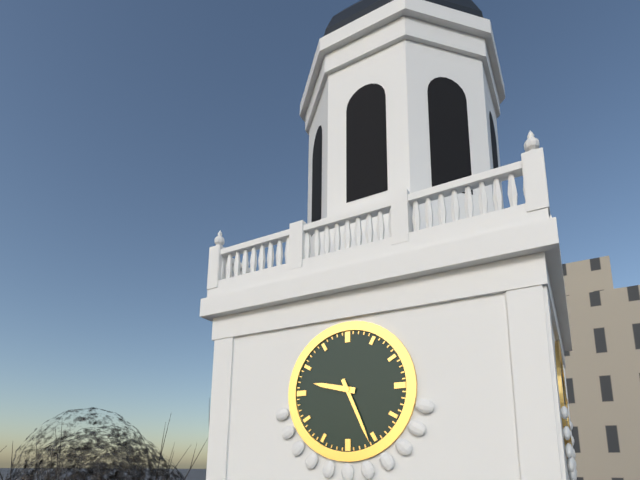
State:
9h26
